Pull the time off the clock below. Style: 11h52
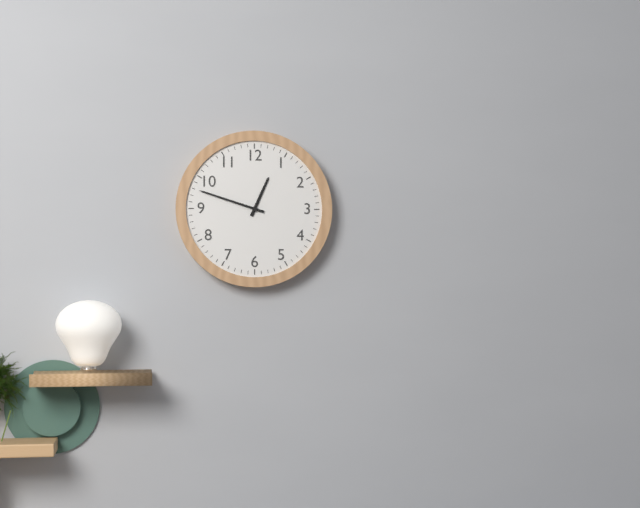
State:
12h48
